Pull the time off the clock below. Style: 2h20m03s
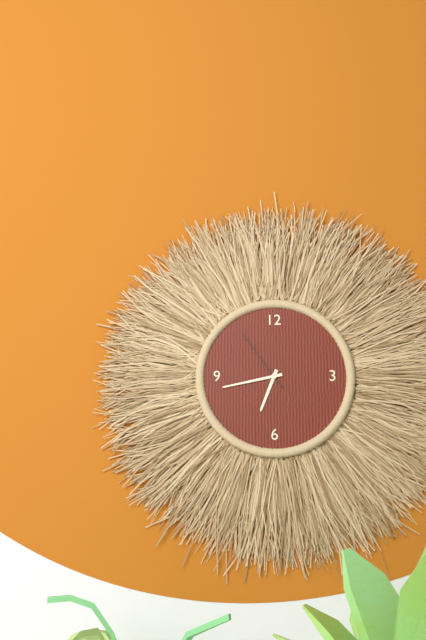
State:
6h43m54s
